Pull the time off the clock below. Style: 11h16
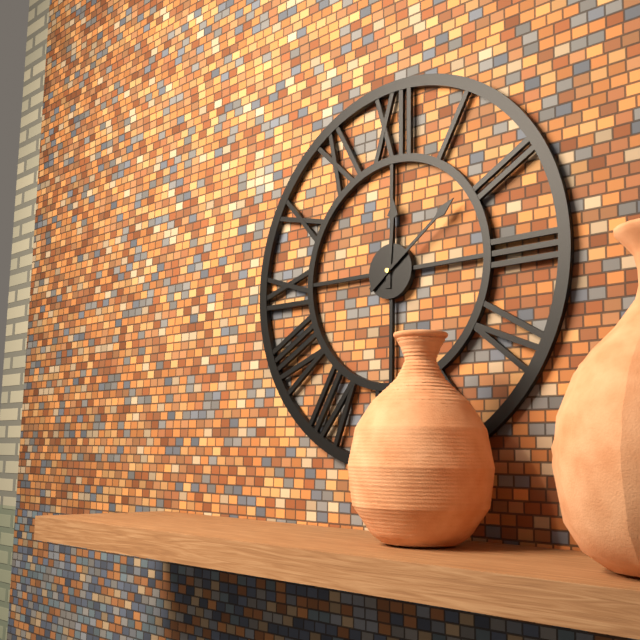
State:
12h09
